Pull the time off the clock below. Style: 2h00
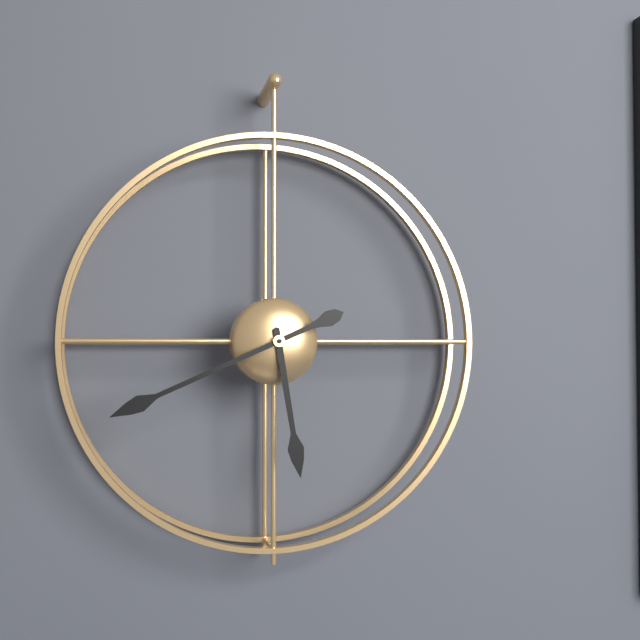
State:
5h41
